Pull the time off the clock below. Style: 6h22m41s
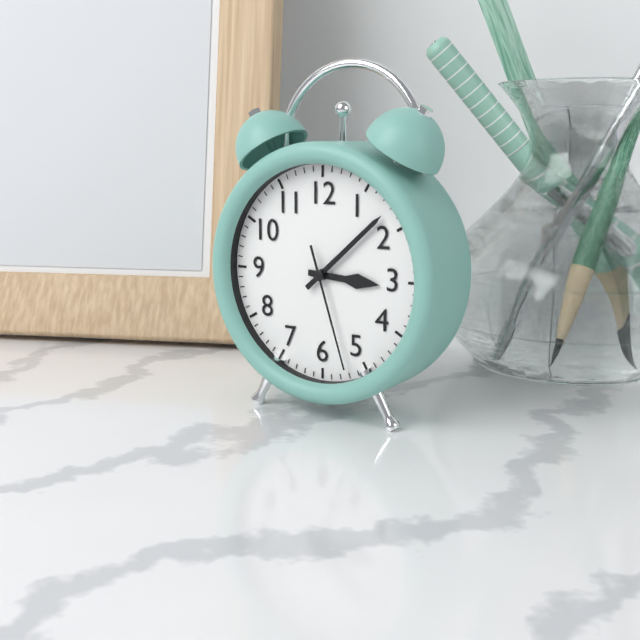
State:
3h08m27s
